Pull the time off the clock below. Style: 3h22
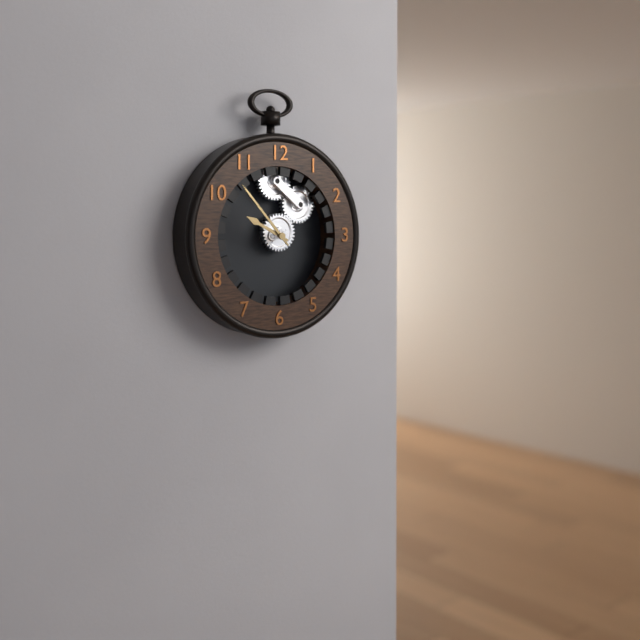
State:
9h53
